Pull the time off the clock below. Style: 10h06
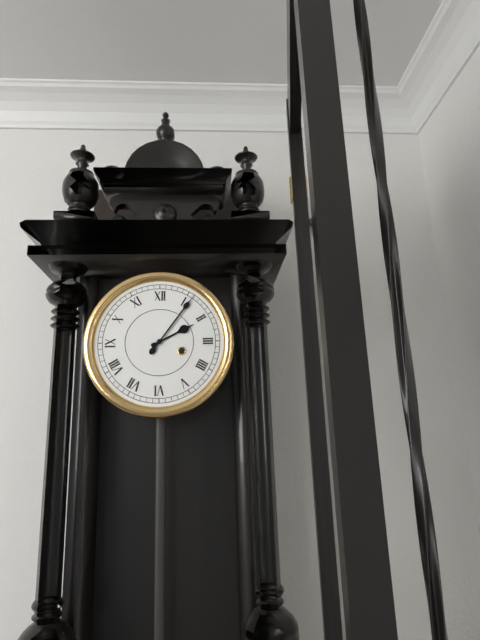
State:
2h06
